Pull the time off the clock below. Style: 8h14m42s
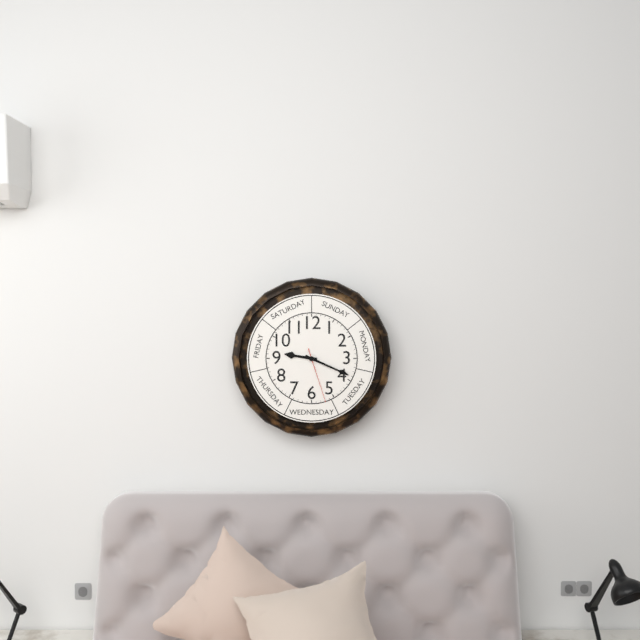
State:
9h19m27s
